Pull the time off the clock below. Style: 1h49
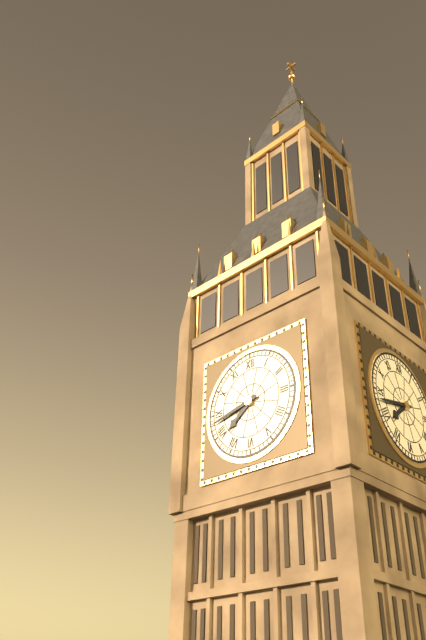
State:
7h43
